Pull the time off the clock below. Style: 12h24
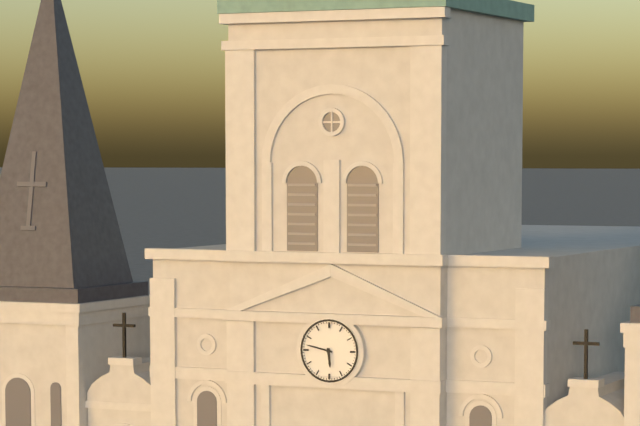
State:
5h47
